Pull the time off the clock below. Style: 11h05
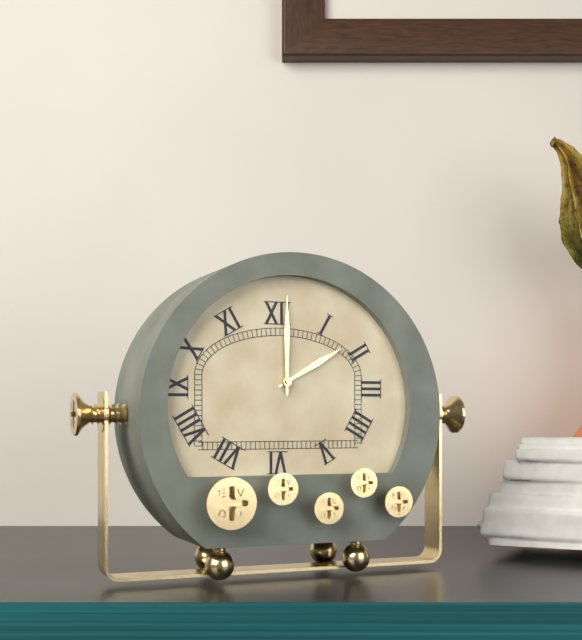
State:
2h00
